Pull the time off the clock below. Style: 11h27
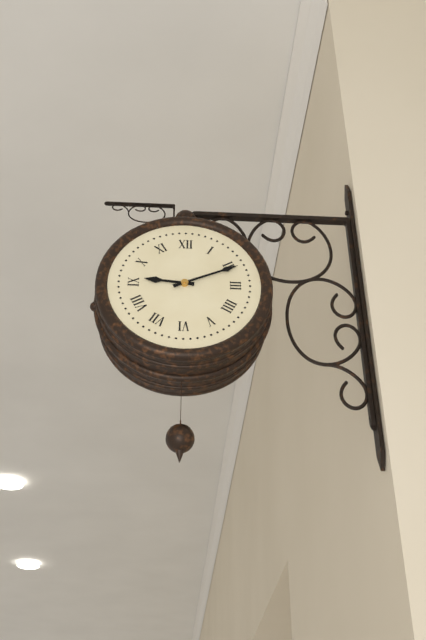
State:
9h11
